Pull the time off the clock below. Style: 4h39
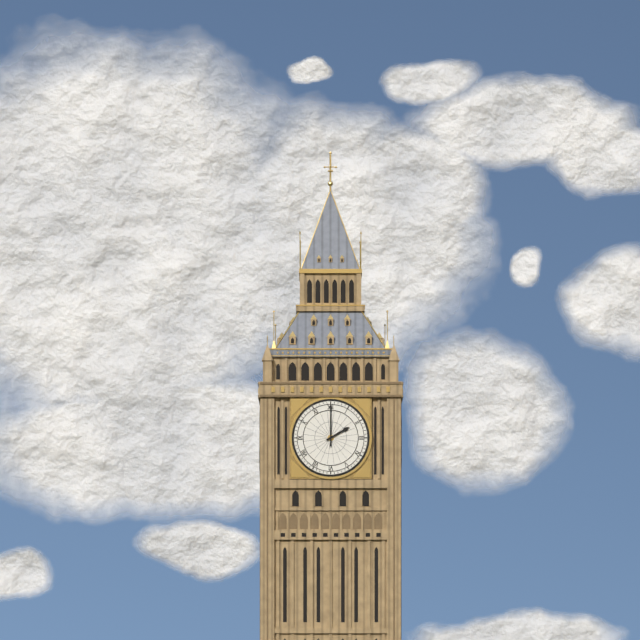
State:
2h00
